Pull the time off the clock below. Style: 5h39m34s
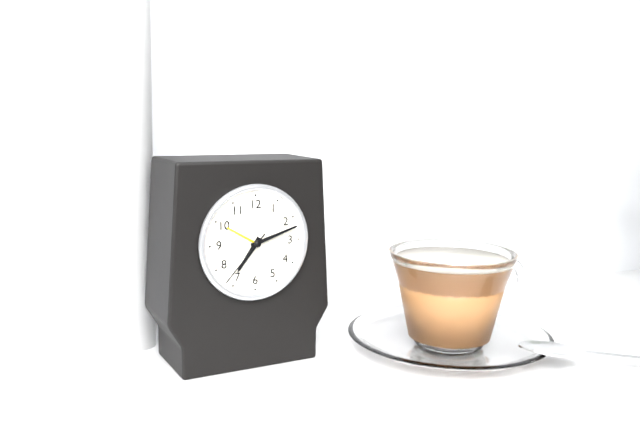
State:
7h12m37s
